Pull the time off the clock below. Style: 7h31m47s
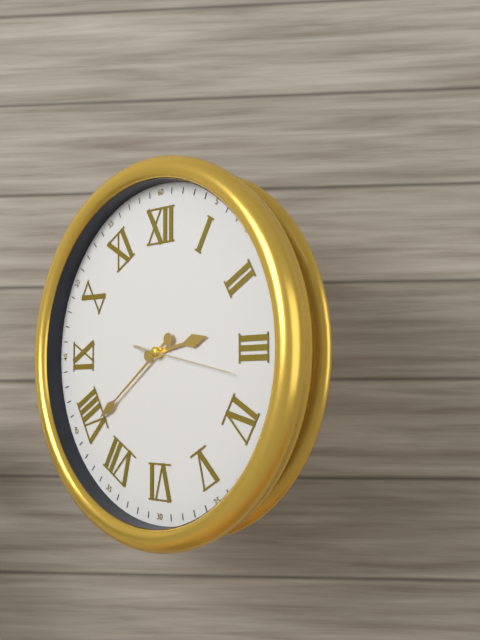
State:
2h39m17s
